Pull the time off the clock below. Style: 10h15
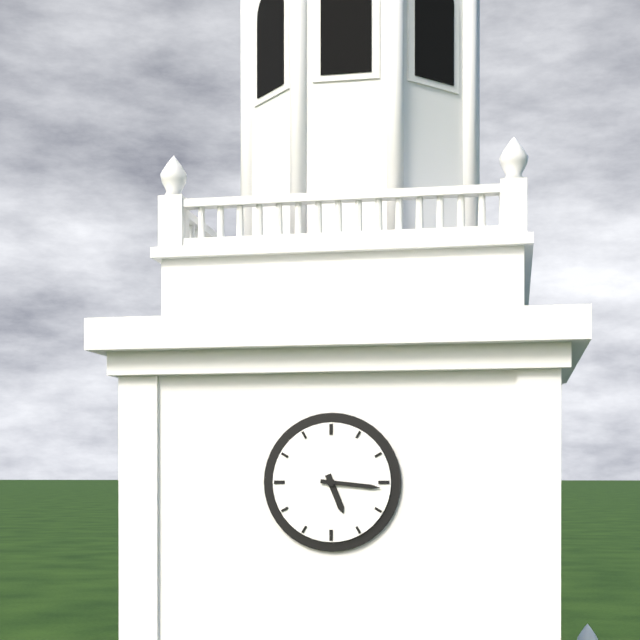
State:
5h16
